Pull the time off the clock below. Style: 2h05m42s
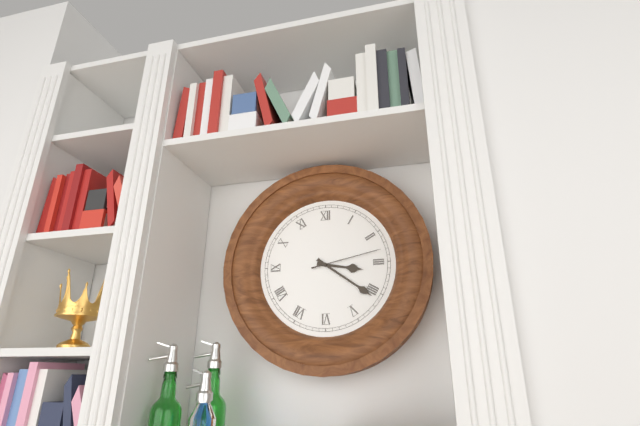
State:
3h21m13s
